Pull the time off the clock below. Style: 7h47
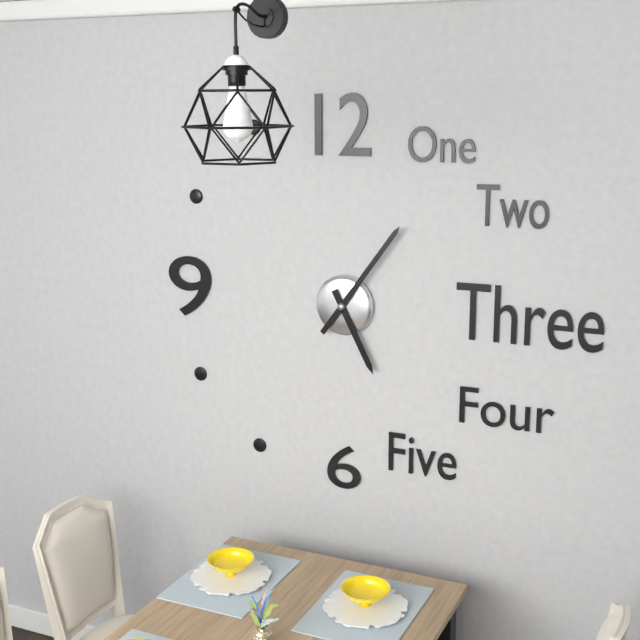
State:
5h06
